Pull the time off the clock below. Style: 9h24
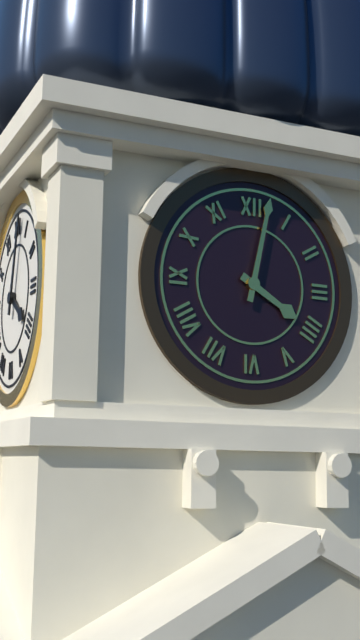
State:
4h02
